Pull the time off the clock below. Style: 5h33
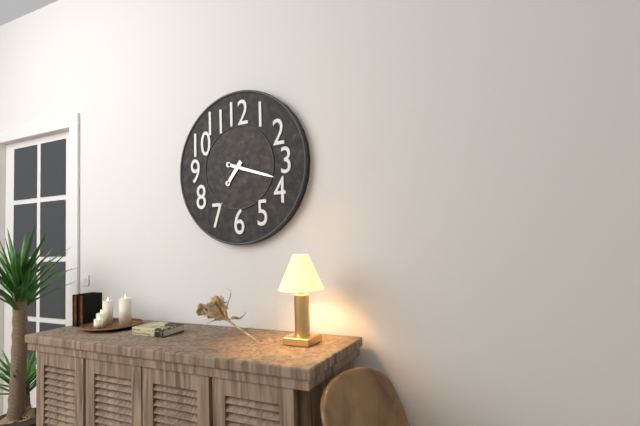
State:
7h18
